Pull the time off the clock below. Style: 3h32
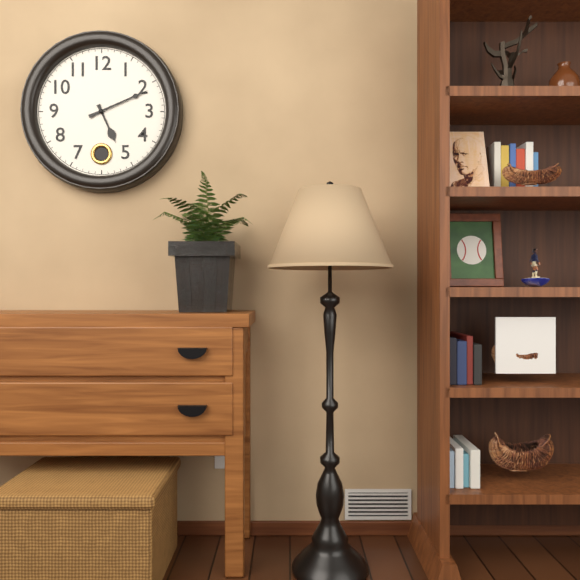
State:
5h11
